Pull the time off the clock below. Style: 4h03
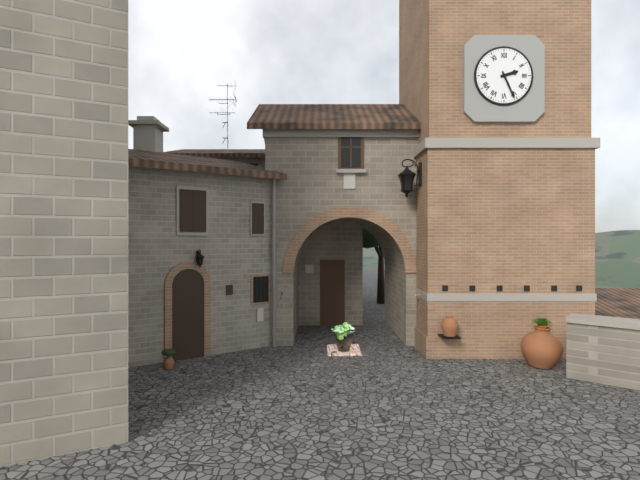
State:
2h26
